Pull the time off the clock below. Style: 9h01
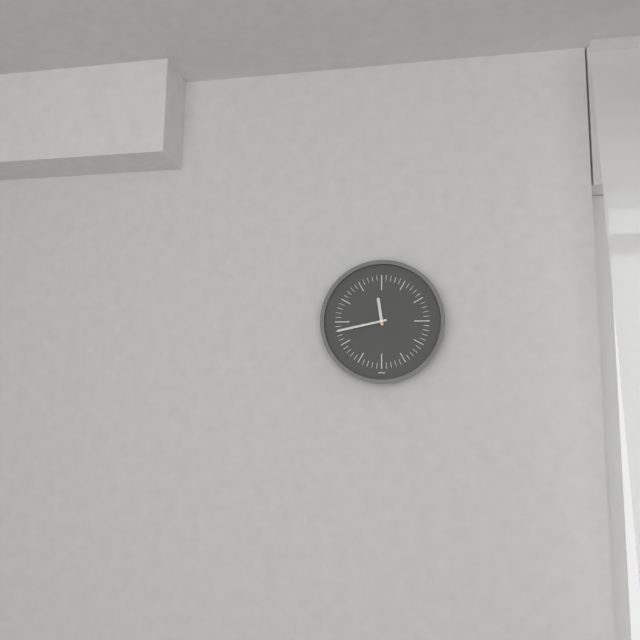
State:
11h43
